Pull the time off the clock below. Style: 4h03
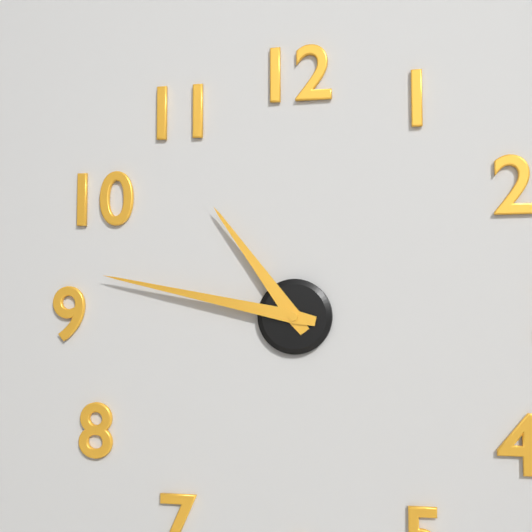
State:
10h47
